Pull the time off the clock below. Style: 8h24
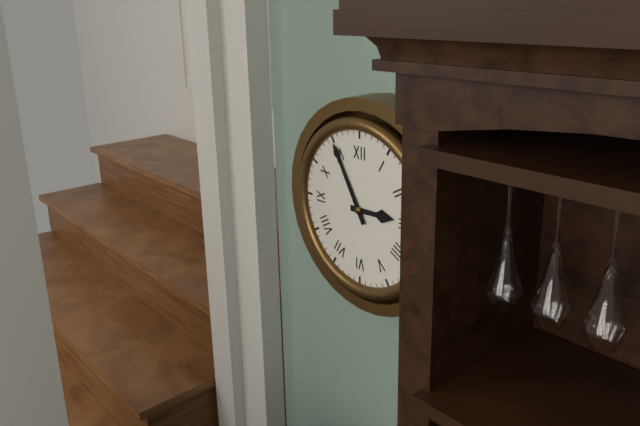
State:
2h55
